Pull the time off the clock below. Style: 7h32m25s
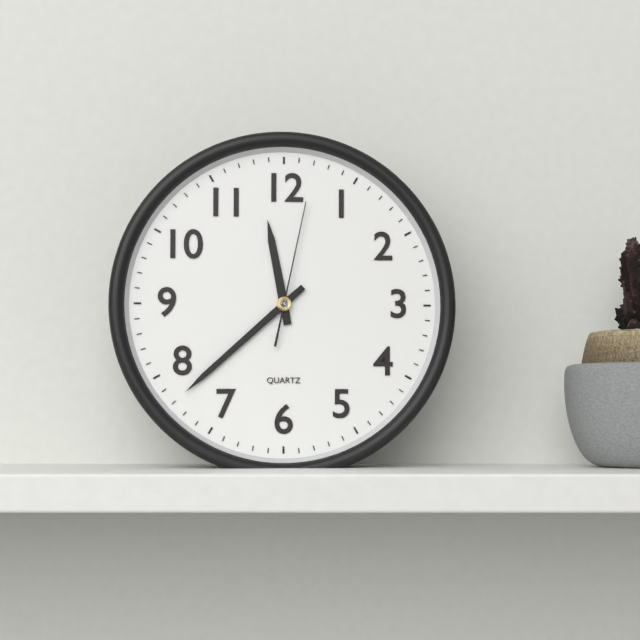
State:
11h38m02s
